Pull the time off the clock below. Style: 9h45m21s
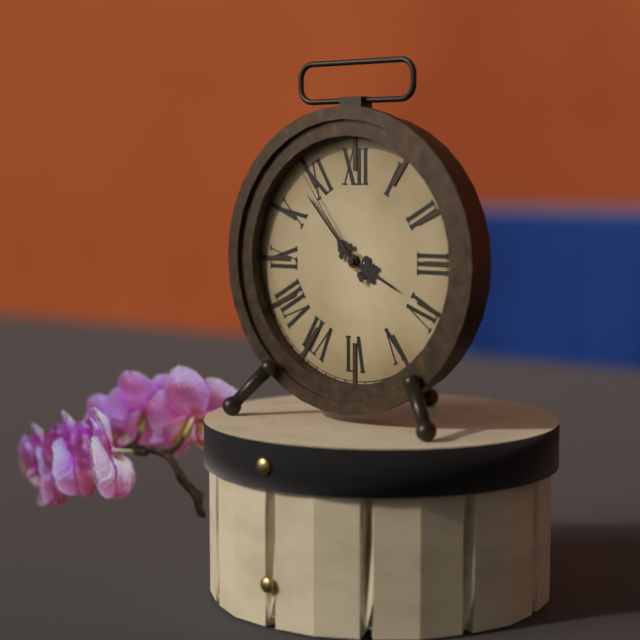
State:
3h53m54s
